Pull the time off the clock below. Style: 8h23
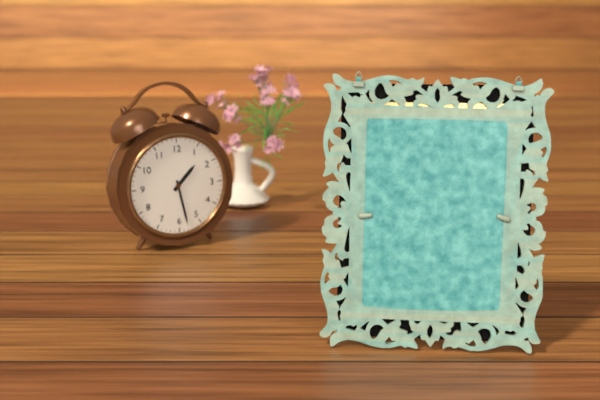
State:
1h28
